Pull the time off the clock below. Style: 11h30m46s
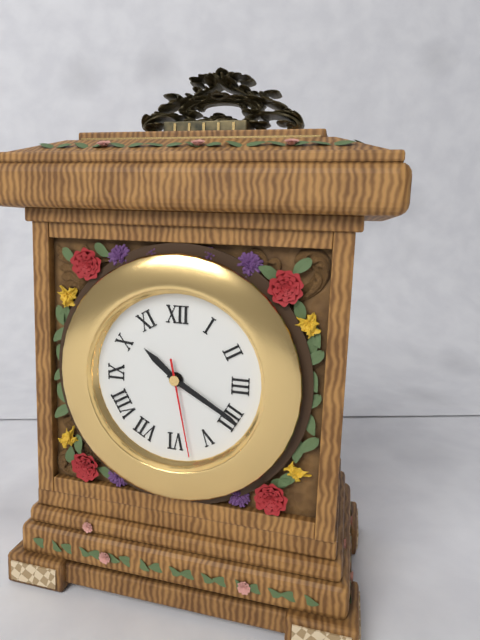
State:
10h20m28s
